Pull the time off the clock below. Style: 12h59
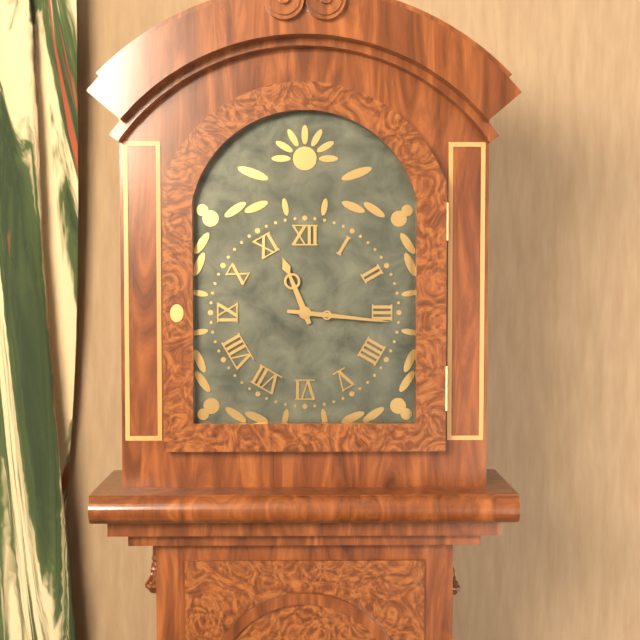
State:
11h16
